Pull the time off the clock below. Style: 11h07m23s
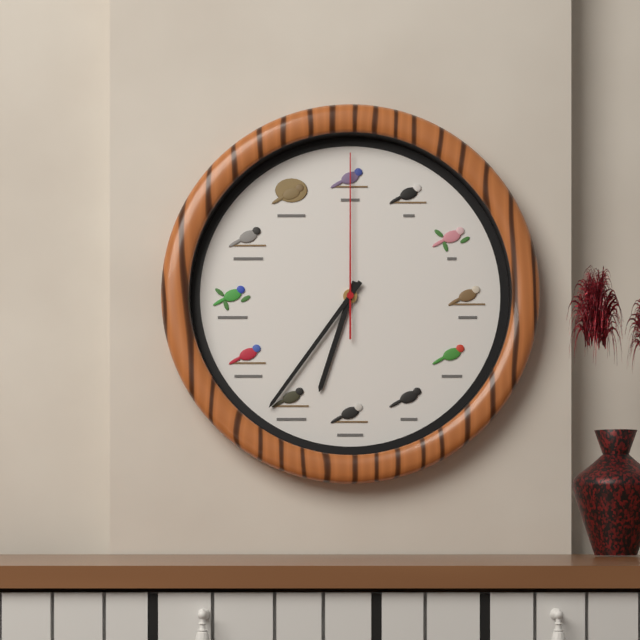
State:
6h36m00s
